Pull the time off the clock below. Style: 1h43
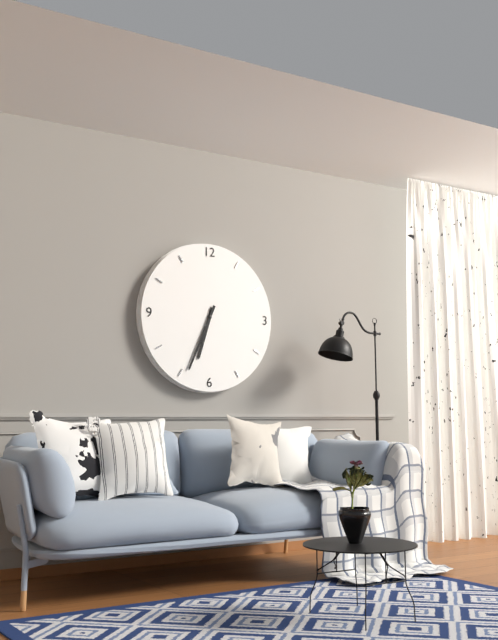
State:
6h34
